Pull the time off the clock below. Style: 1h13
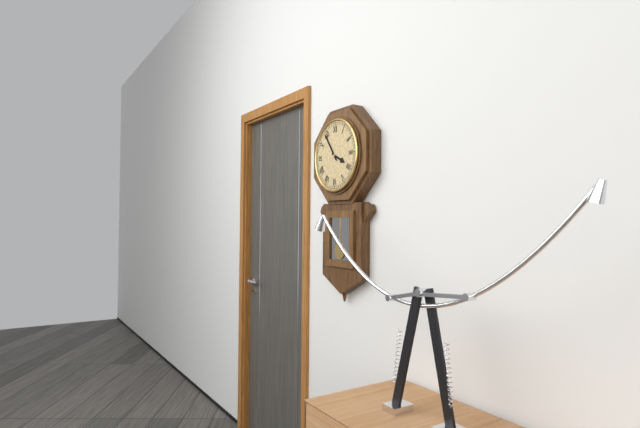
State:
3h54
